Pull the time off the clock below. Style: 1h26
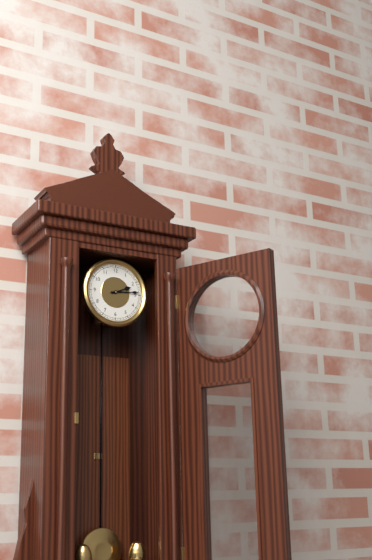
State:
2h14
